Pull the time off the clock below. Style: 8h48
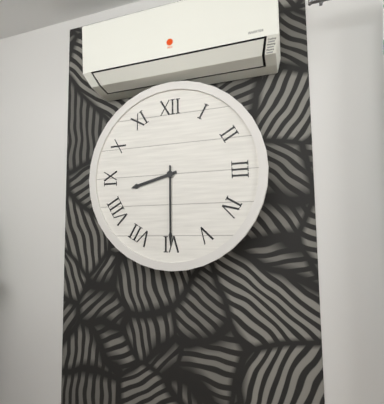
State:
8h30
